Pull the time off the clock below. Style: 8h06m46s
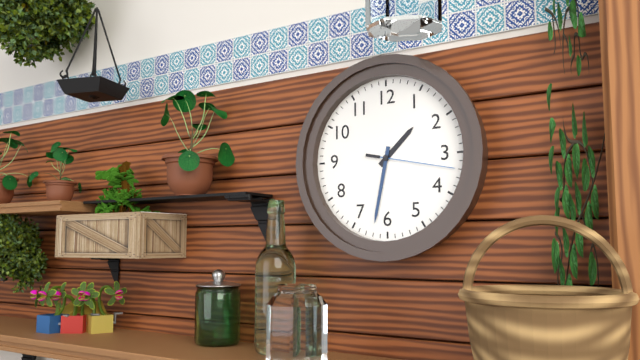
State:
1h32m17s
